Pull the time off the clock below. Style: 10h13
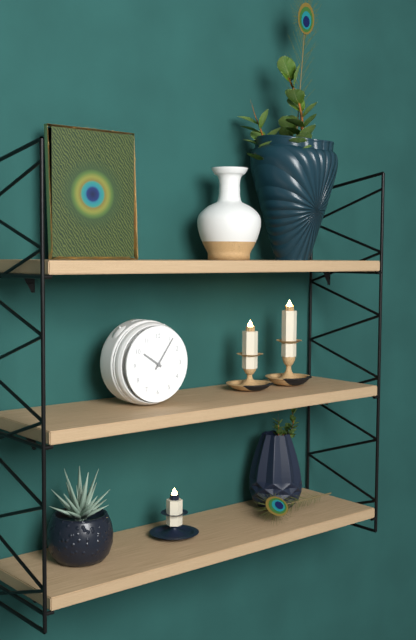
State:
10h06
